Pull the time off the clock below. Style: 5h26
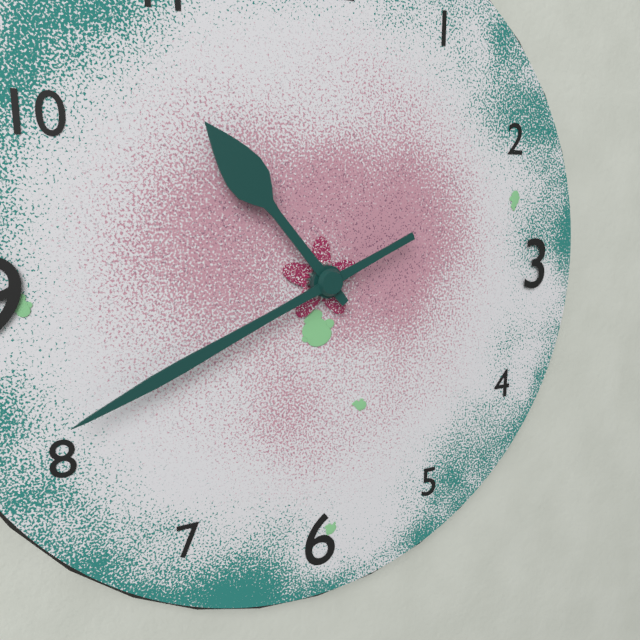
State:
10h41
